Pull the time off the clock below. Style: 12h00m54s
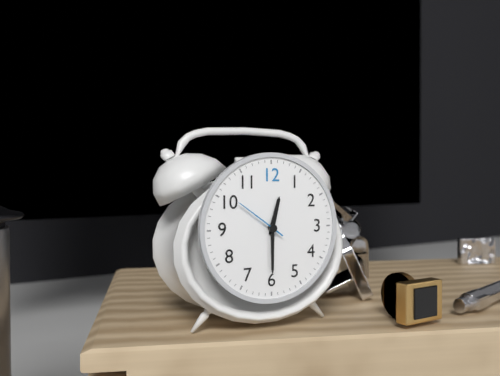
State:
12h30m51s
